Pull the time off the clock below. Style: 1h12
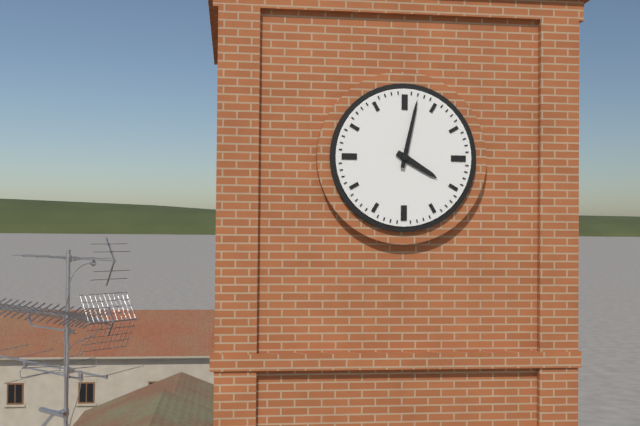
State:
4h02
